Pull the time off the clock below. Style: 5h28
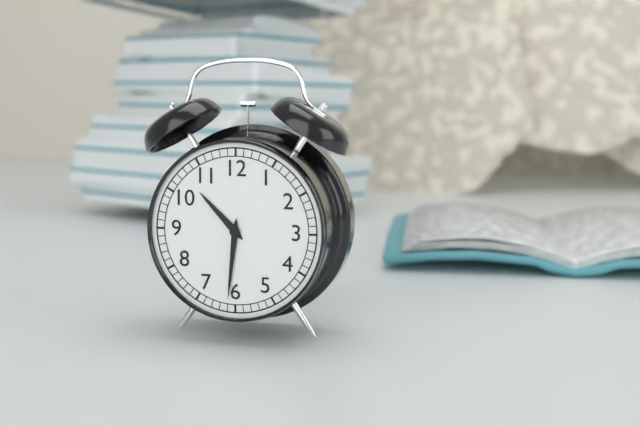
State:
10h31
